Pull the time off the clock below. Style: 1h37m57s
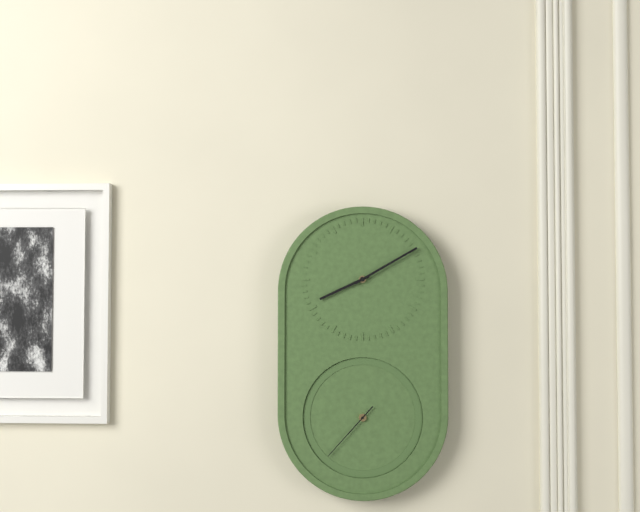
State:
8h10m37s
